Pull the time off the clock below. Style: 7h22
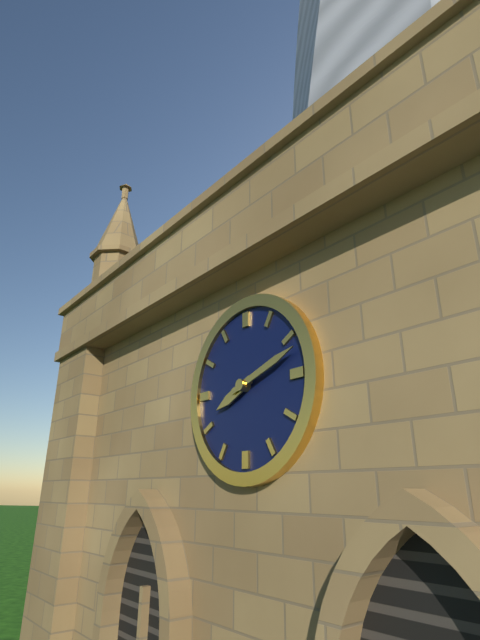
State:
8h12
